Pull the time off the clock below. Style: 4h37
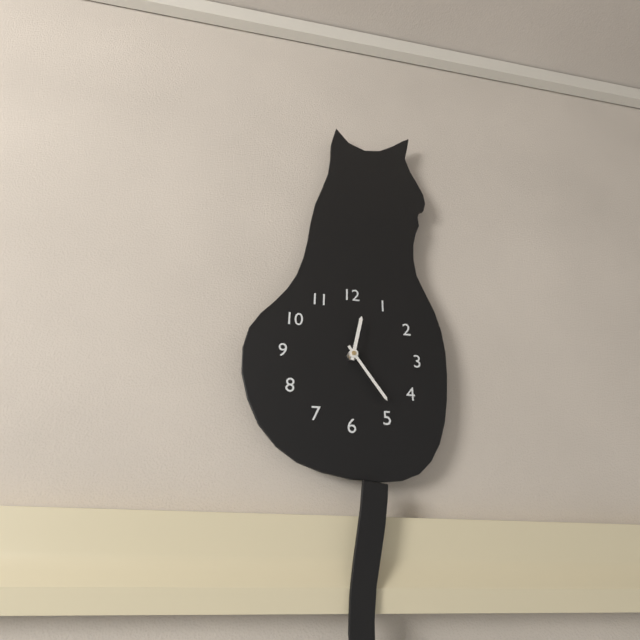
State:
12h24
